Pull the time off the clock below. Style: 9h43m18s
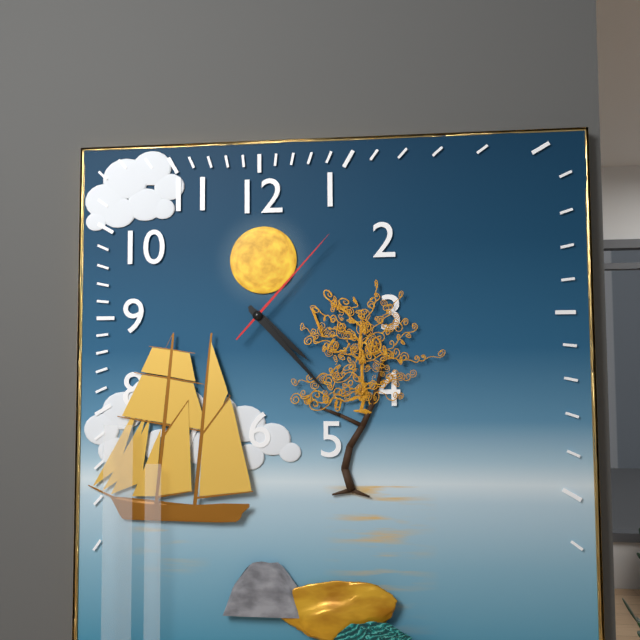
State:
4h23m07s
